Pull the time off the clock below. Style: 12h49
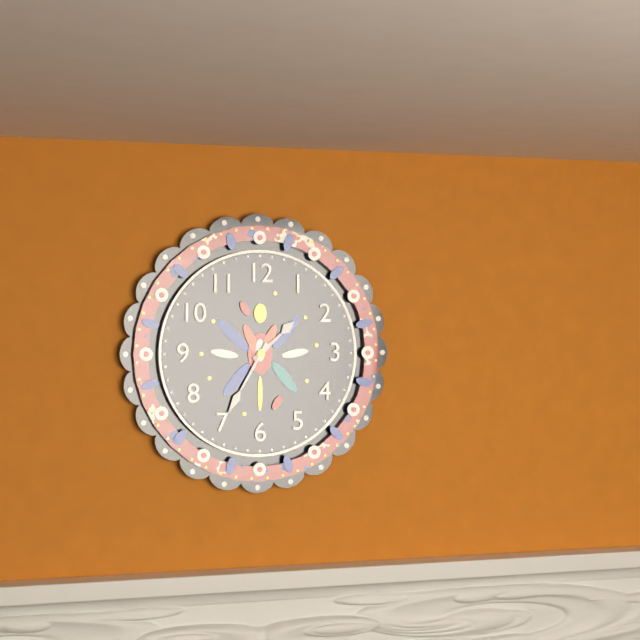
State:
1h35
